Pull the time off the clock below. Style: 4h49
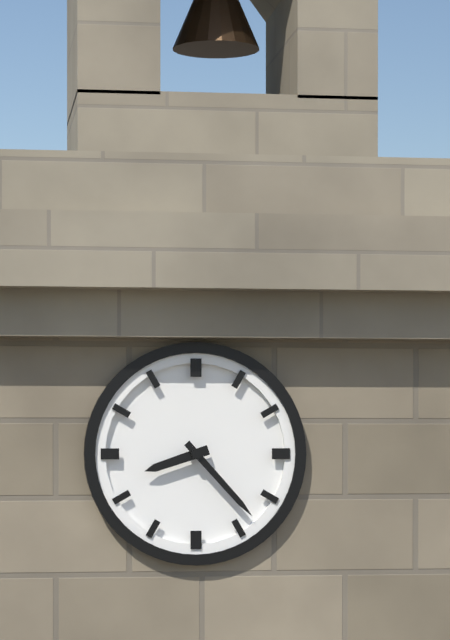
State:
8h23
